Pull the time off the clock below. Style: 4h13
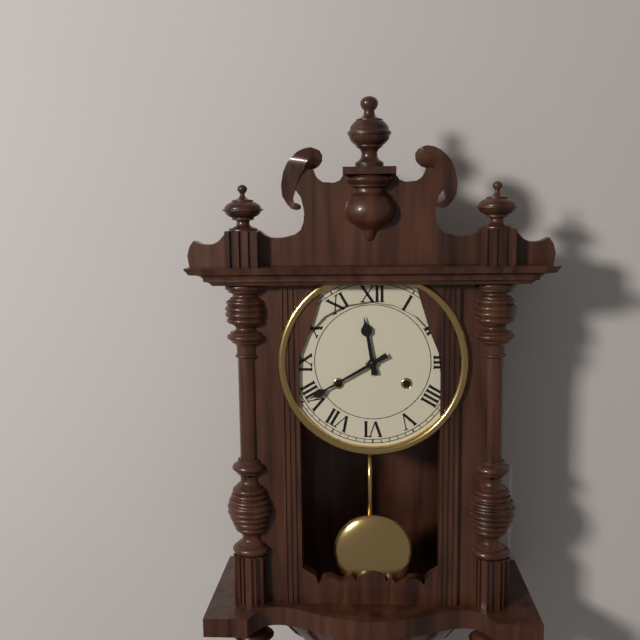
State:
11h40
